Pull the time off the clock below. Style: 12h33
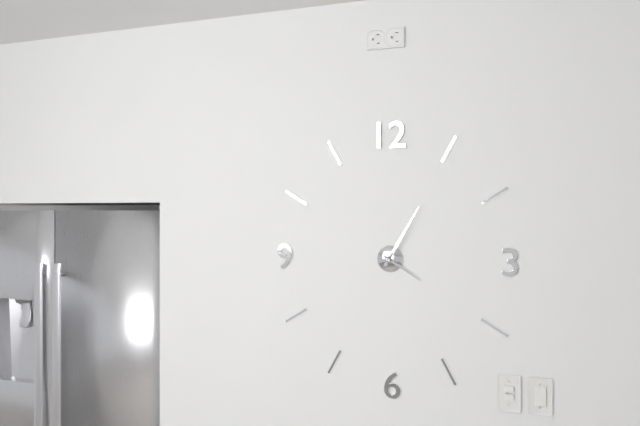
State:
4h05
